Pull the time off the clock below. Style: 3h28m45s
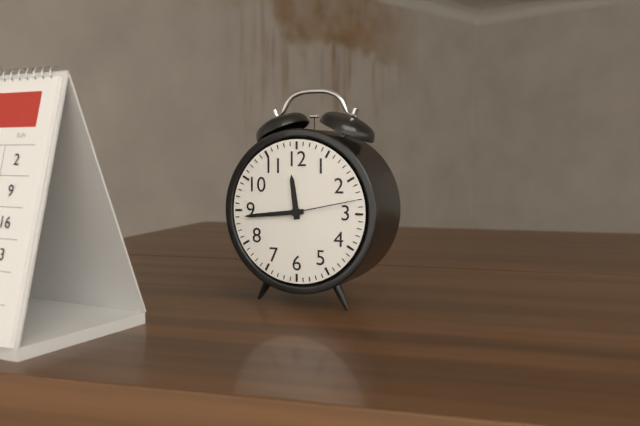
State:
11h44m13s
